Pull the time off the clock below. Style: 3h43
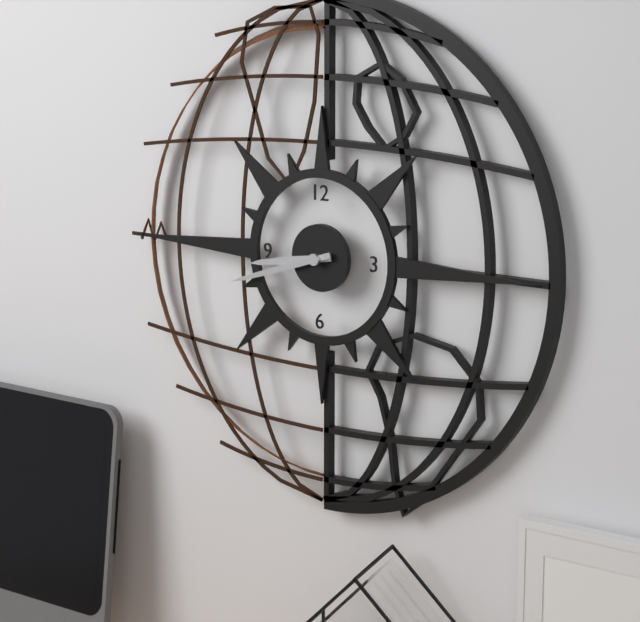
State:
8h42
